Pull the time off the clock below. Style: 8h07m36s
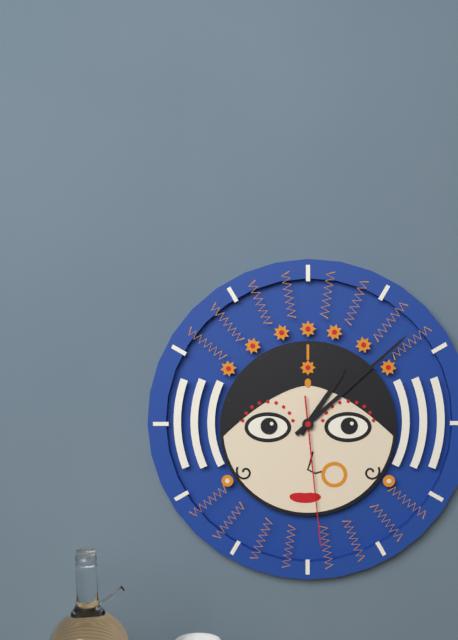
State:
1h08m29s
